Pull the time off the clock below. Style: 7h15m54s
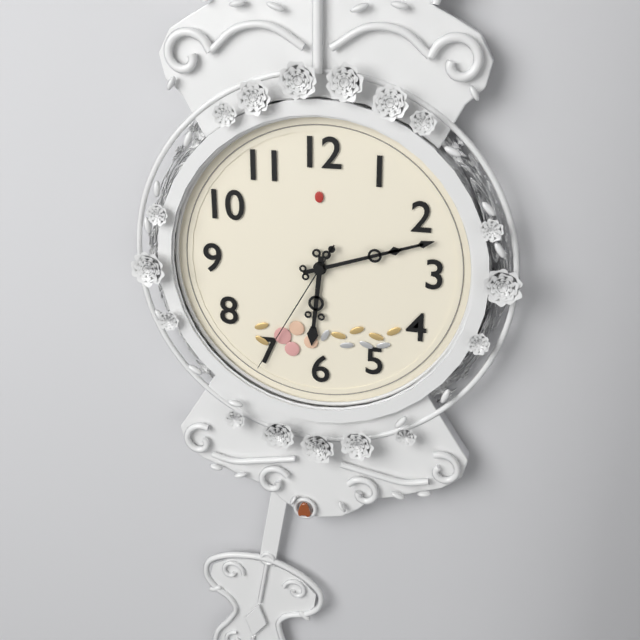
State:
6h12m35s
